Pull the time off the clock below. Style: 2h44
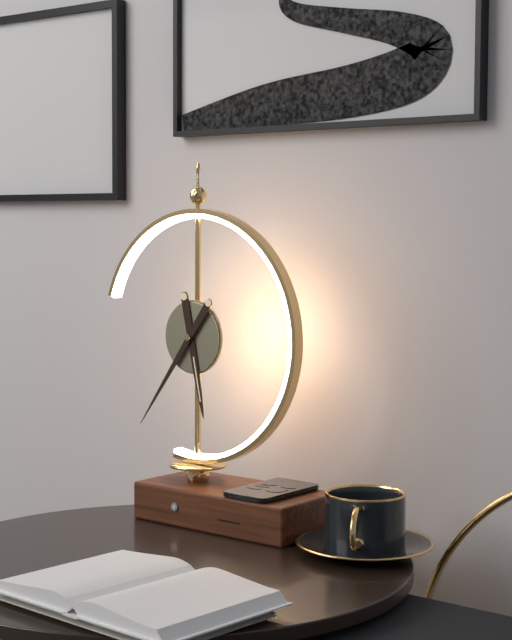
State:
5h36
